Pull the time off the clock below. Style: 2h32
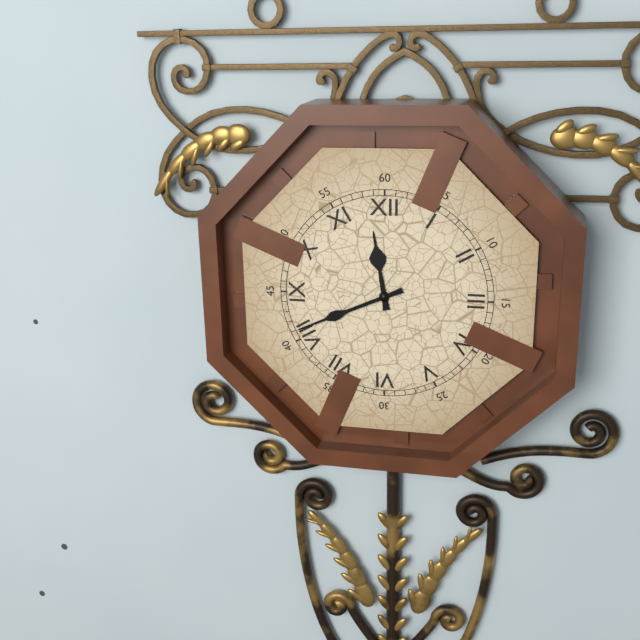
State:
11h41
